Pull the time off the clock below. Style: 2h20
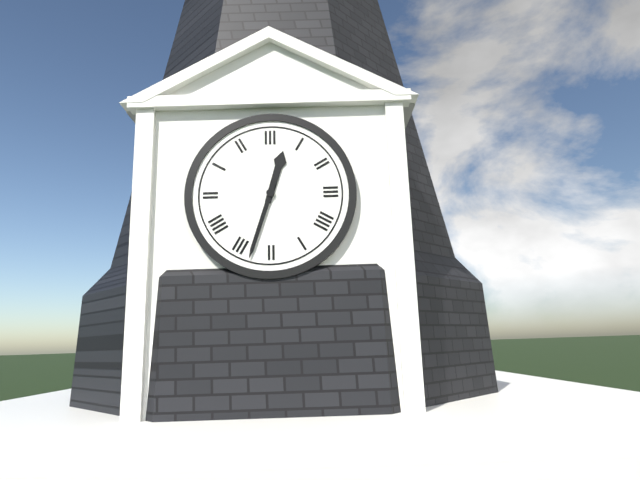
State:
12h33
